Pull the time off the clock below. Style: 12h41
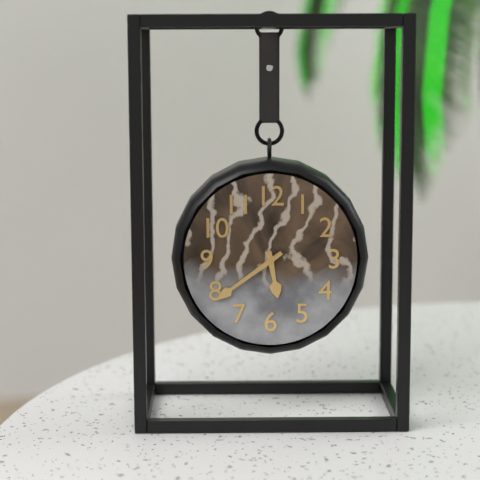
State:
5h39
